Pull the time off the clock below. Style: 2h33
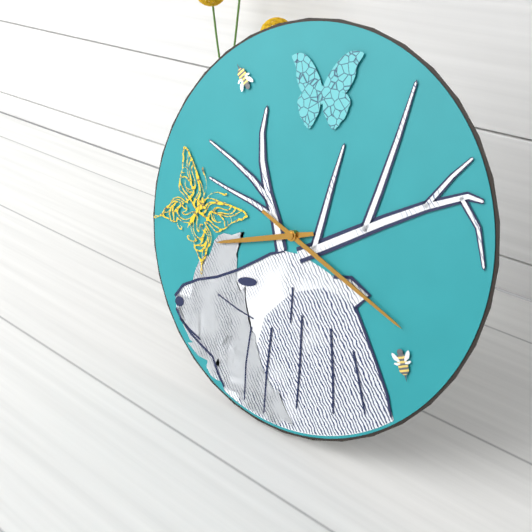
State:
8h18
